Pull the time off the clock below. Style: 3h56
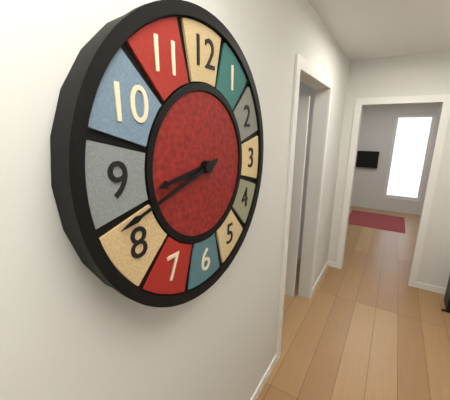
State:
8h42
